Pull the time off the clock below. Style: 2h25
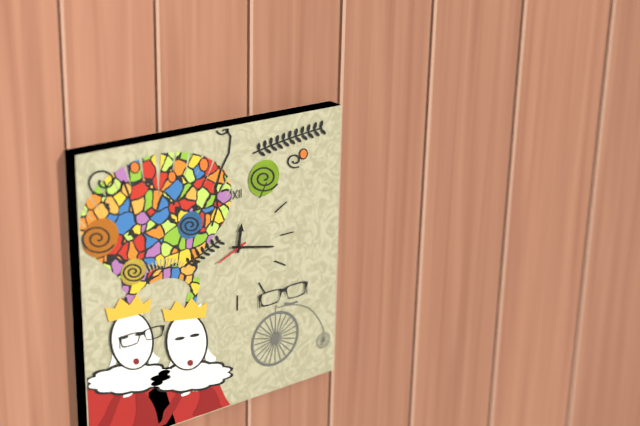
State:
12h17
